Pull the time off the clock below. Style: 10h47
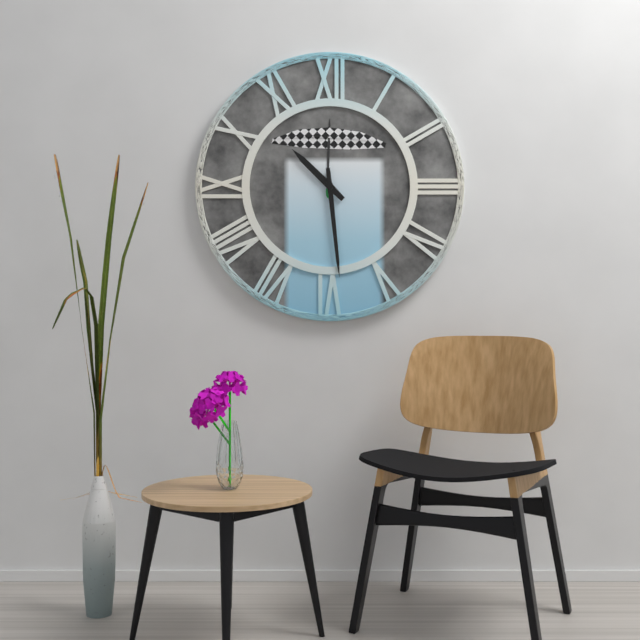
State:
10h29
